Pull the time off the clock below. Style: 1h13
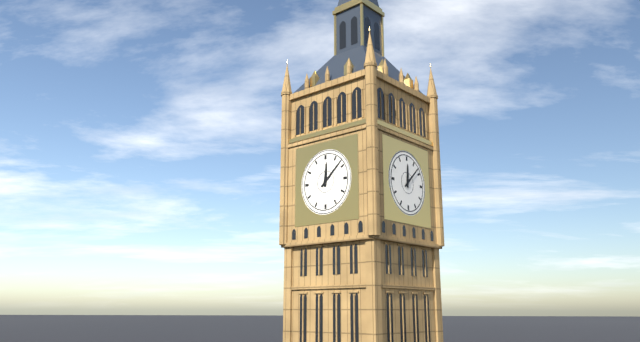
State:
12h08
